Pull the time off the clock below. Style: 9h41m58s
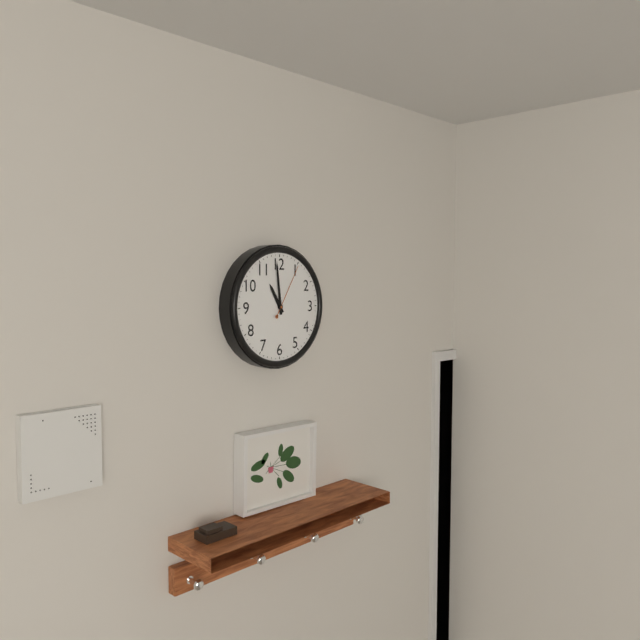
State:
10h59m05s
